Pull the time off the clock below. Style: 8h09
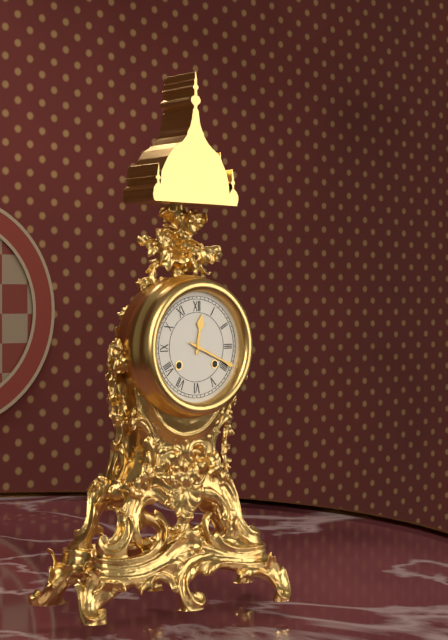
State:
12h19
